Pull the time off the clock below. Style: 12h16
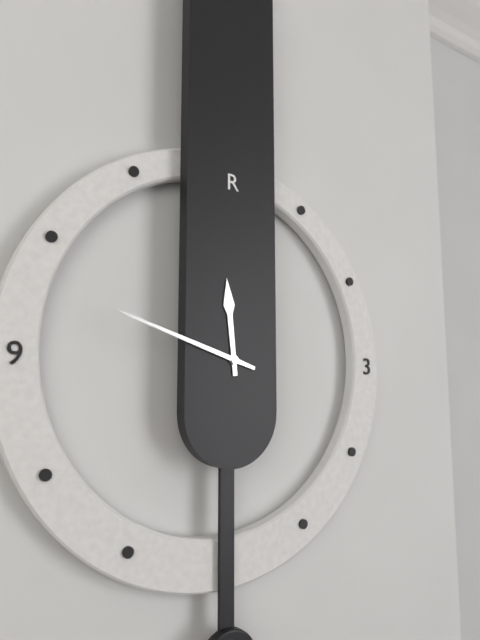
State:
11h48
